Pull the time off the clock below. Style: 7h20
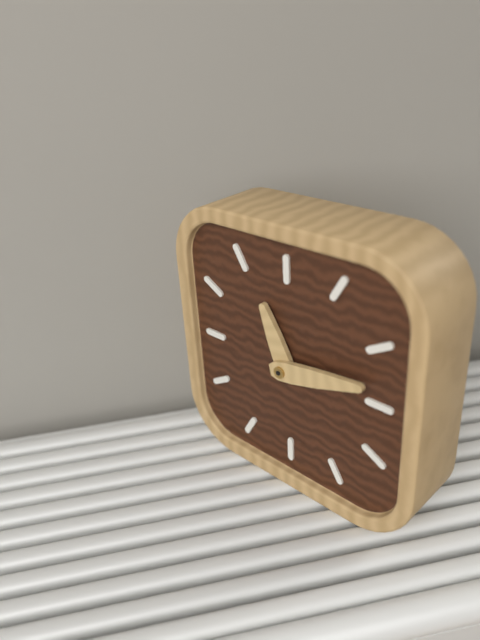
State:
11h13
